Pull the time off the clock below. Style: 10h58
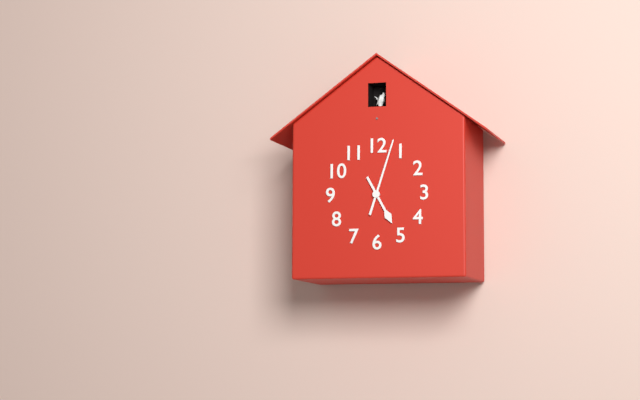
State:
5h03
